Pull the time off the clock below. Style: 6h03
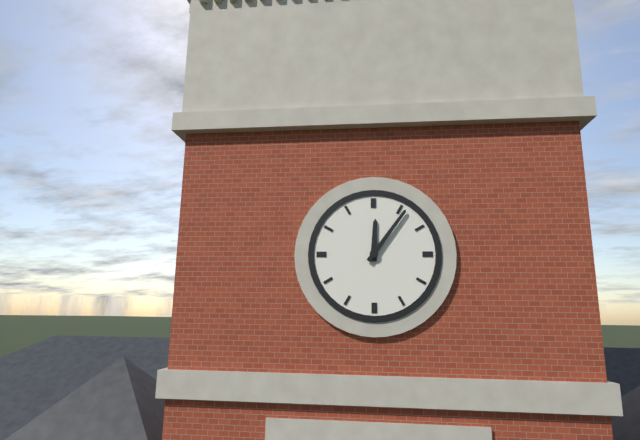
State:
12h06
